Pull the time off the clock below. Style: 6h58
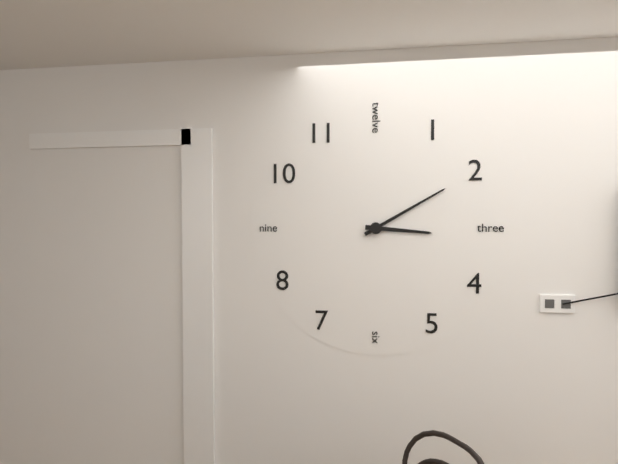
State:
3h10
